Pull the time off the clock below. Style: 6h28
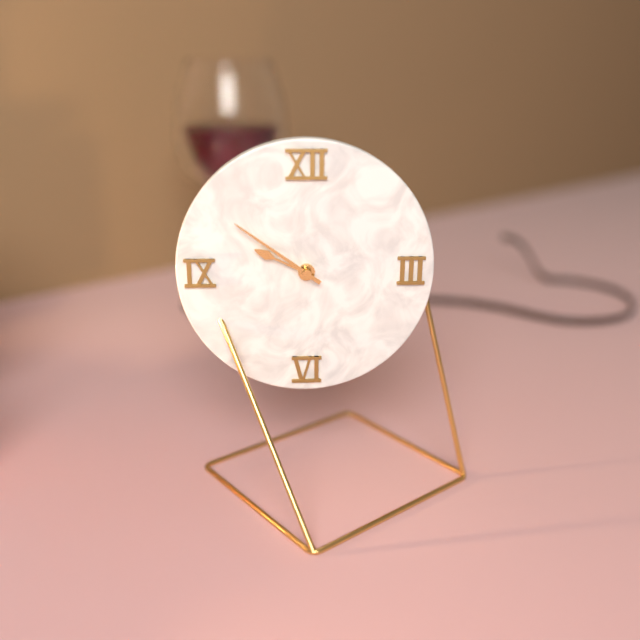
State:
9h51
